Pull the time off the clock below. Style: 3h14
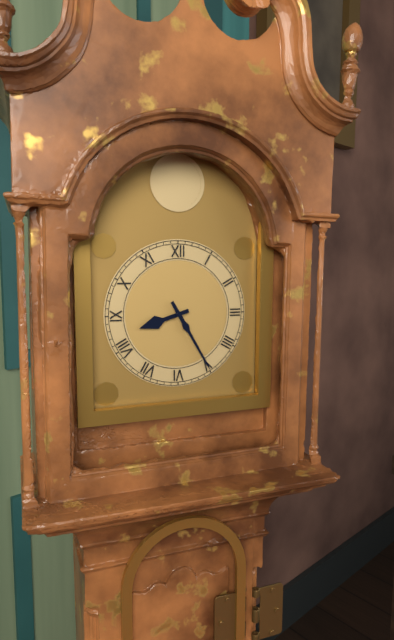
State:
8h25
